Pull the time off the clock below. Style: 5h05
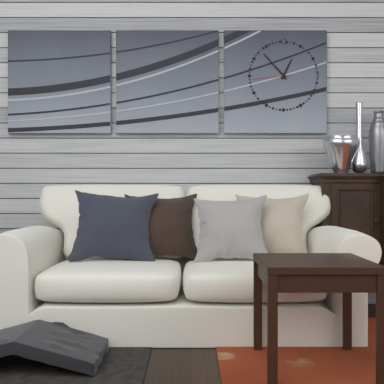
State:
12h53
